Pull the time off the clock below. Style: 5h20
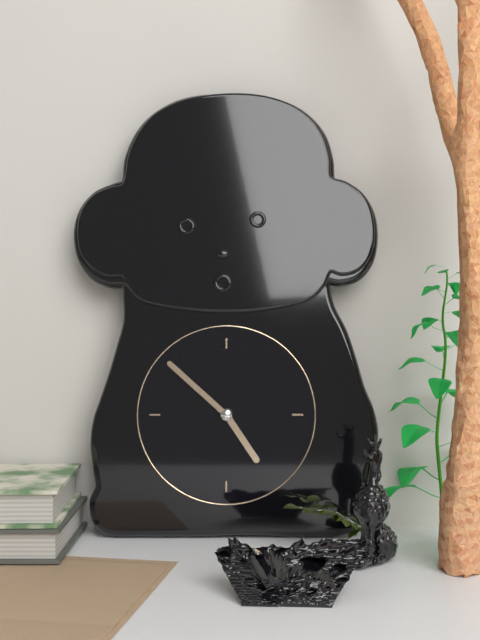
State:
4h52
